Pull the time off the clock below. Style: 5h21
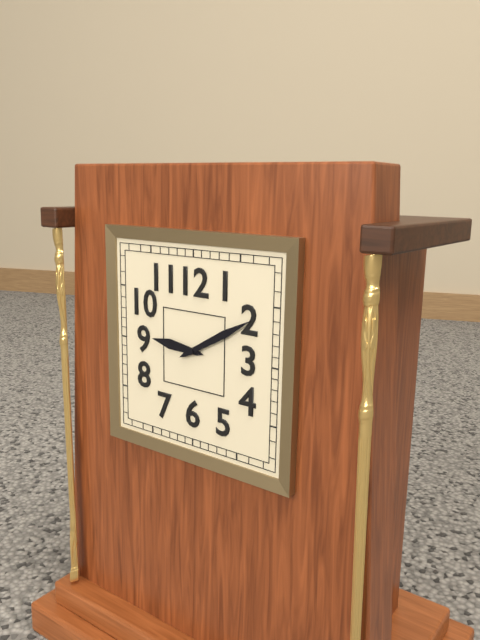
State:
9h10
